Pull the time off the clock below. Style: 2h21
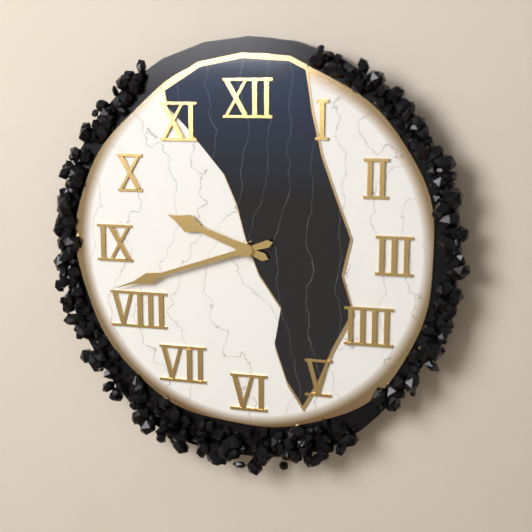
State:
9h42
